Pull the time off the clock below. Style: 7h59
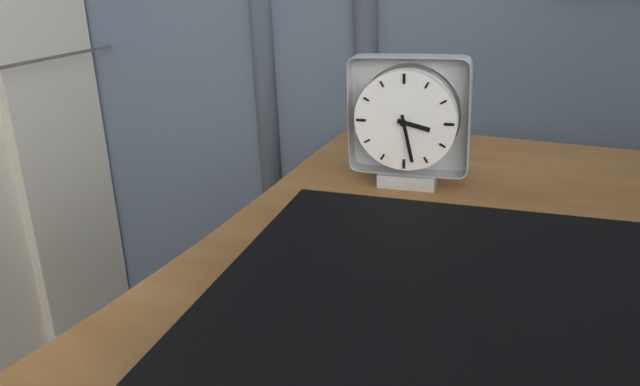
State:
3h28
